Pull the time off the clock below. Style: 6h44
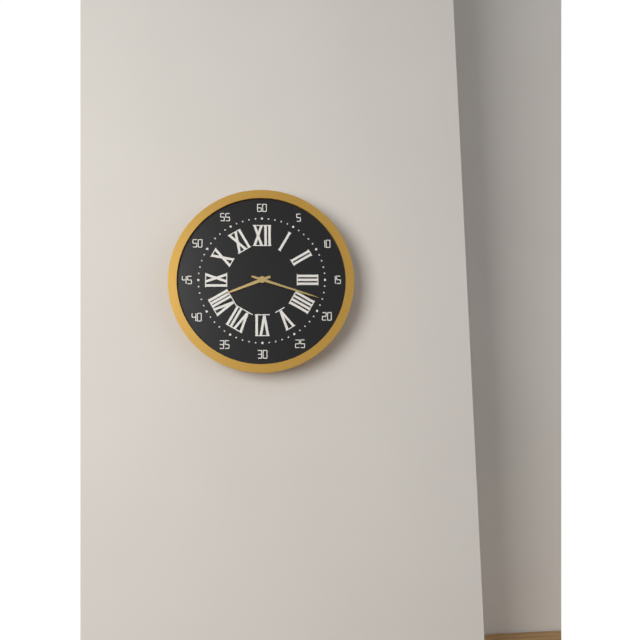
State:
8h18
